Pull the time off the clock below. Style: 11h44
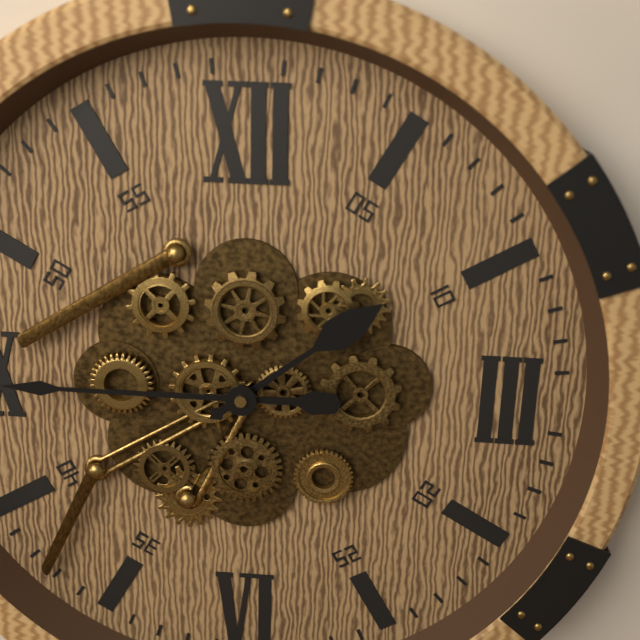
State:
1h45
